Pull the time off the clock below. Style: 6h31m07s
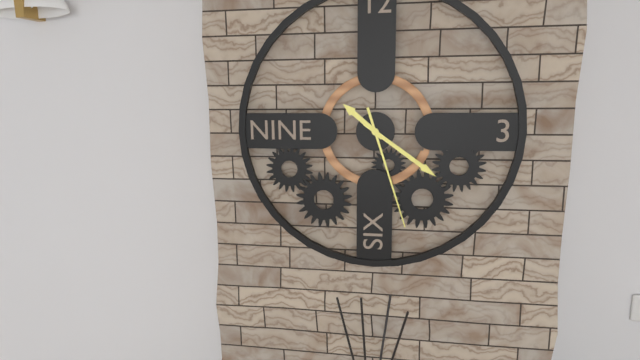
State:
10h21m27s
